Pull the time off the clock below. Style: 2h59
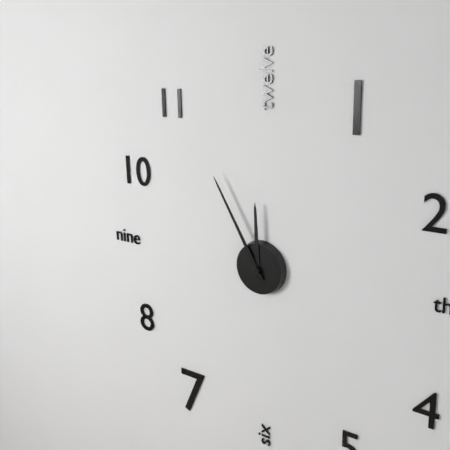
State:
11h55
